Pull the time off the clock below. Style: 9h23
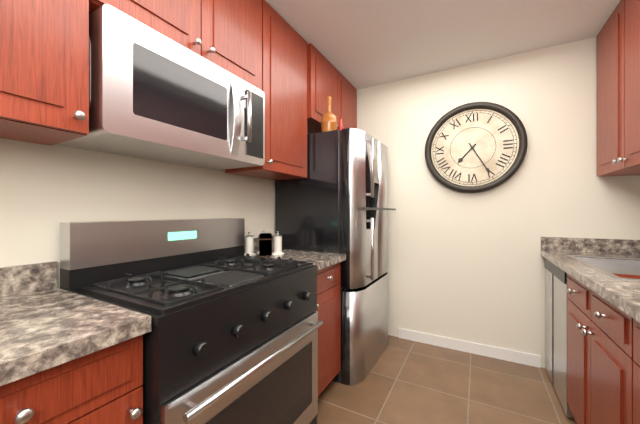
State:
7h25
